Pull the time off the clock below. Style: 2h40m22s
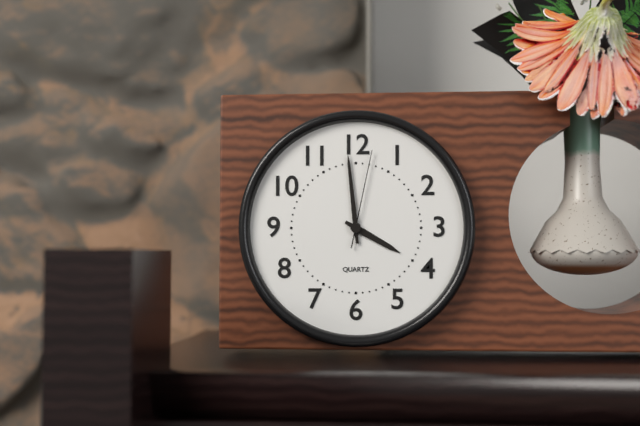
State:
3h59m02s
